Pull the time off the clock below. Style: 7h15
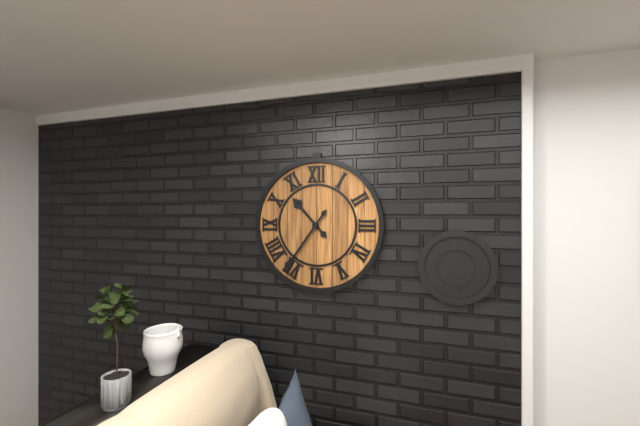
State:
10h36
